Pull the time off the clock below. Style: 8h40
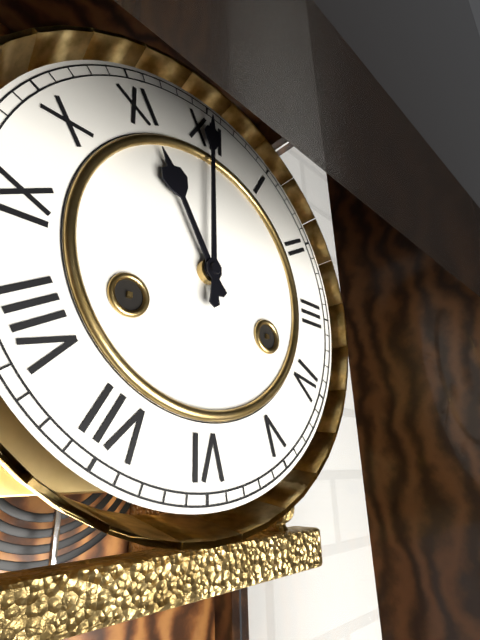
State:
11h00
